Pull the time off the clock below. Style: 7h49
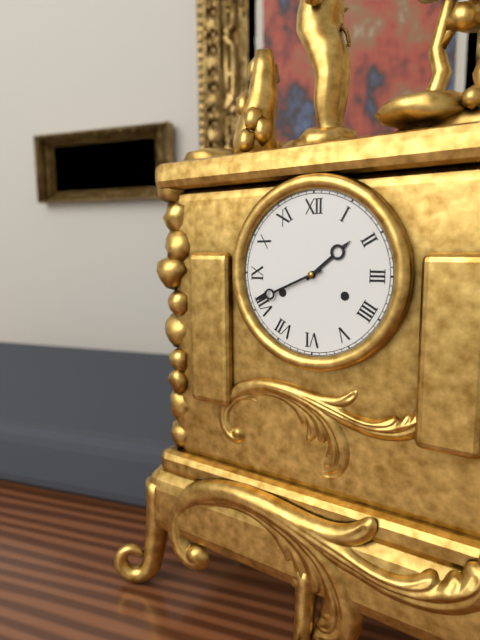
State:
1h41
